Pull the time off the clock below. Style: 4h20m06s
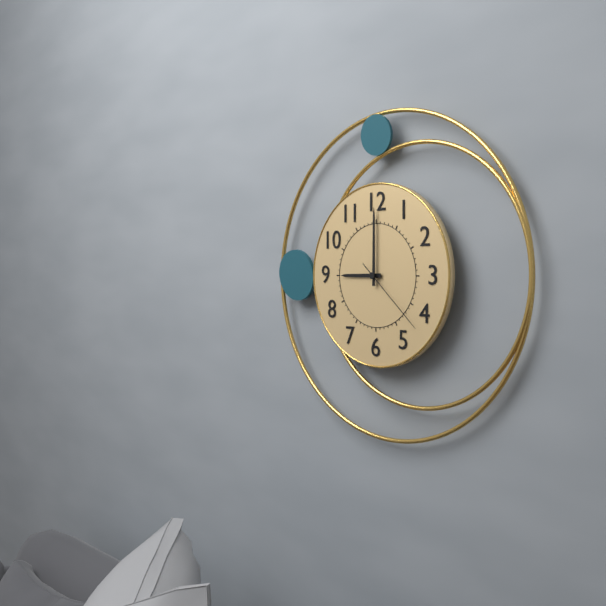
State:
9h00m22s
